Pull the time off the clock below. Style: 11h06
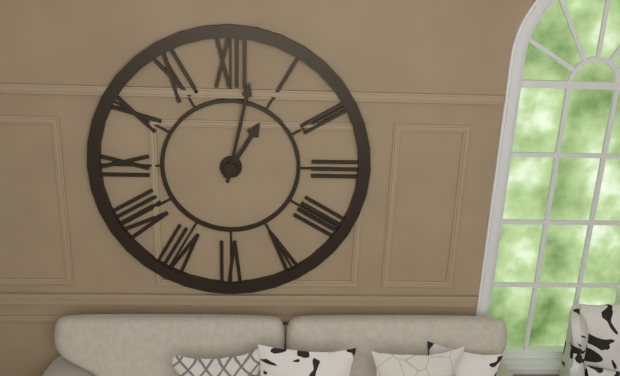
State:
1h02
